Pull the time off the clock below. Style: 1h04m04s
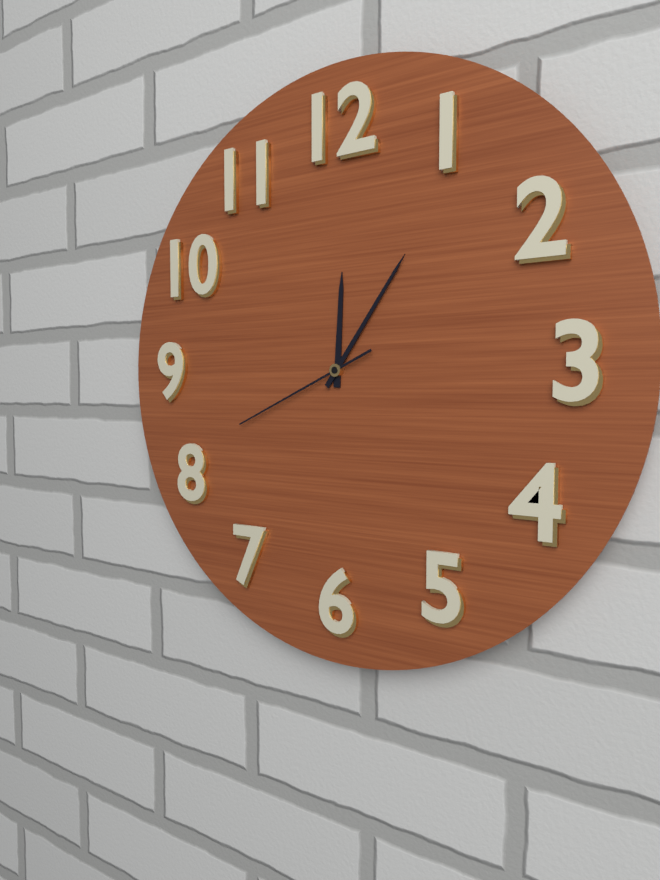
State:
12h06m41s
